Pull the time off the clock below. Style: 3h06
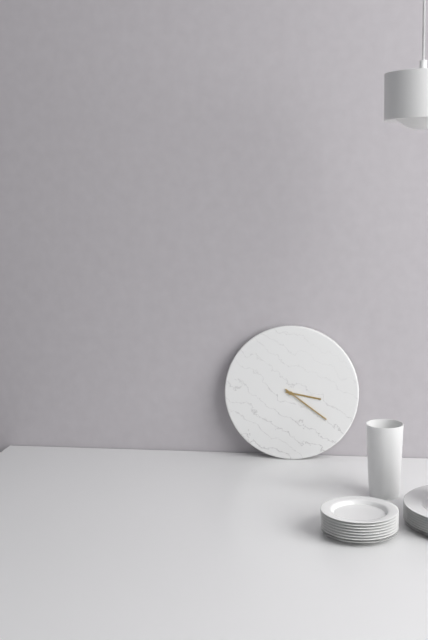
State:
3h21
